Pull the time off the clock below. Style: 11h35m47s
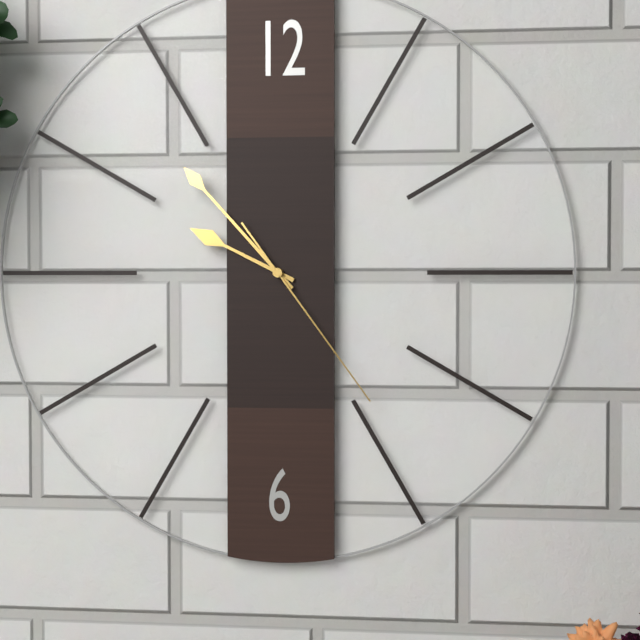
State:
9h53m24s
